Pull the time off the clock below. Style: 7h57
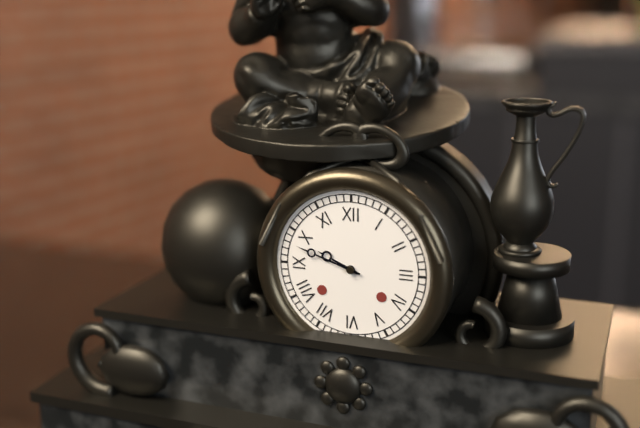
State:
9h48
